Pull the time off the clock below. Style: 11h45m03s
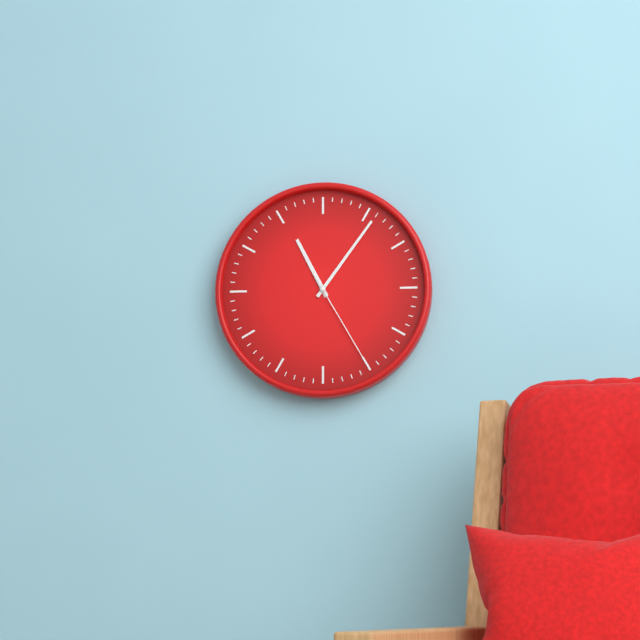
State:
11h06m25s
